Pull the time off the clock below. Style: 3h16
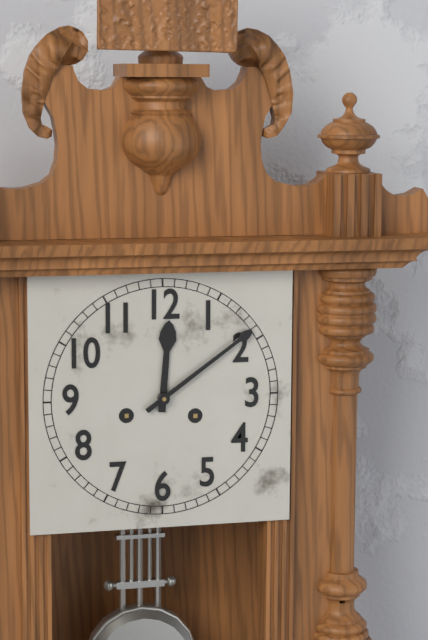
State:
12h09
